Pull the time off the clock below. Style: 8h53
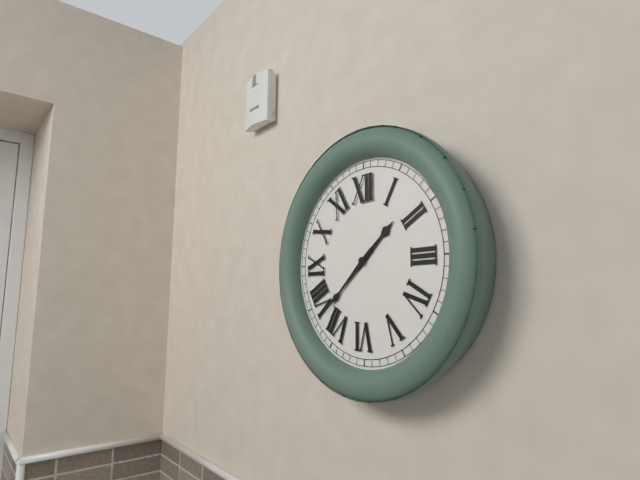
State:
1h38
